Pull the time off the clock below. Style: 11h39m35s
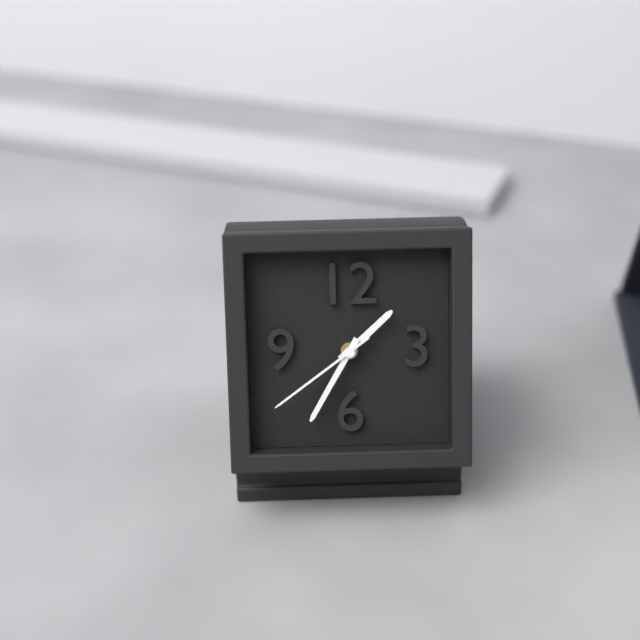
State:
1h35m39s
